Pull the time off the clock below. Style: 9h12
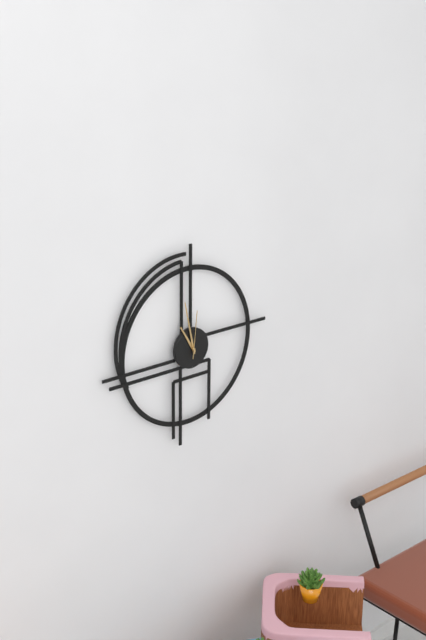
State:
10h58
